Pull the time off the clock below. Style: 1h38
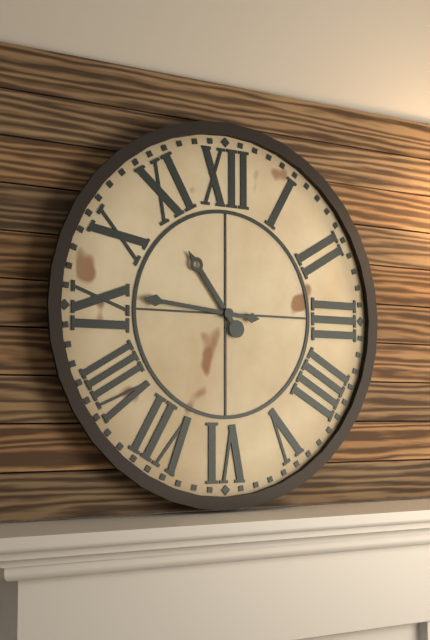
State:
10h46
